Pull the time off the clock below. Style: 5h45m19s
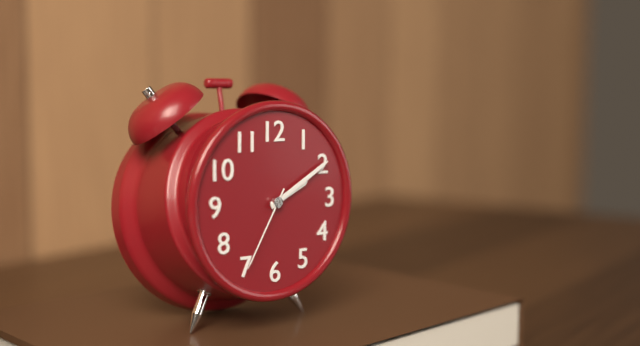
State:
2h10m35s
